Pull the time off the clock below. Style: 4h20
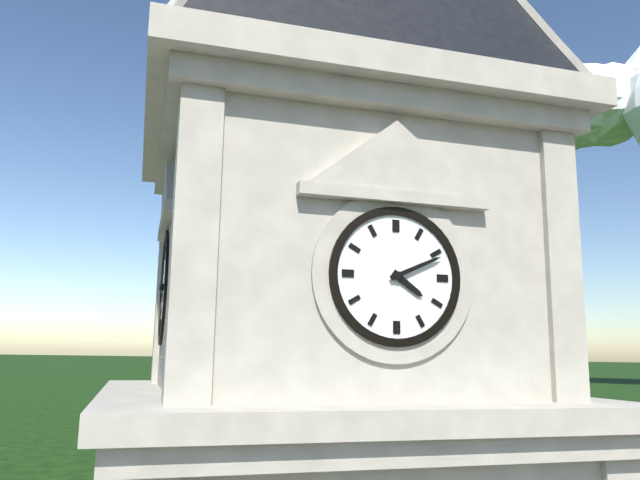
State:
4h11
